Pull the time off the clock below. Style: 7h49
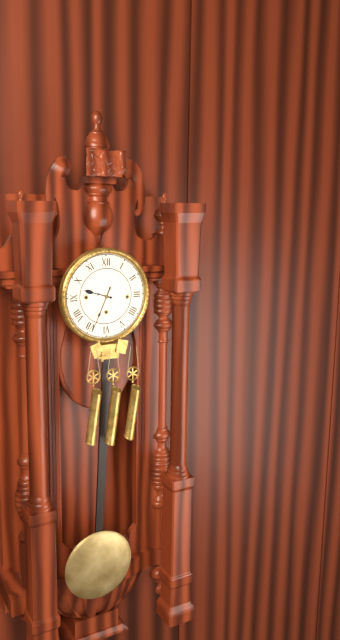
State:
9h34
